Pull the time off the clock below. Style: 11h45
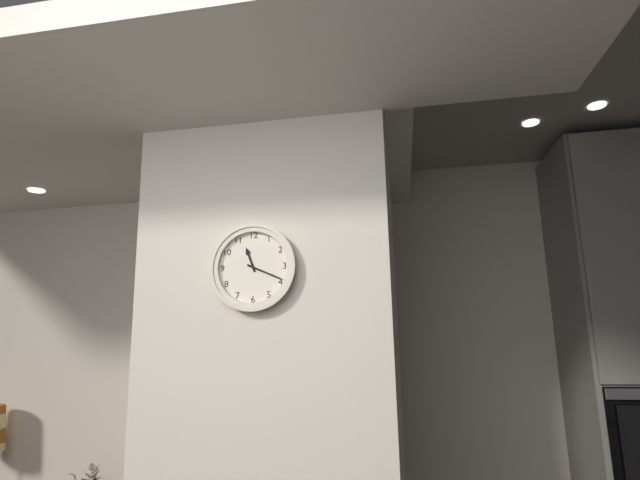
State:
11h19
